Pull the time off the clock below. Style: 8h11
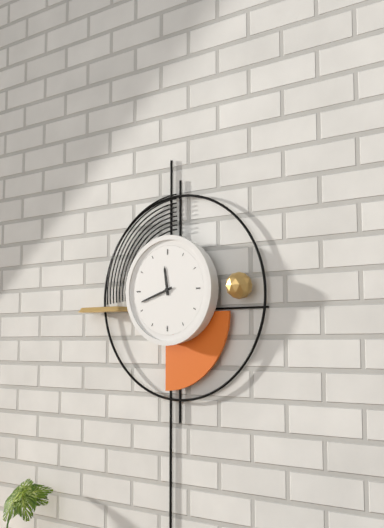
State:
11h42
